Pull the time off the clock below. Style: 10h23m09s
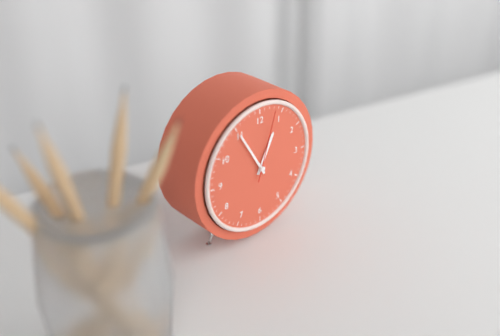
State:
12h55m03s
